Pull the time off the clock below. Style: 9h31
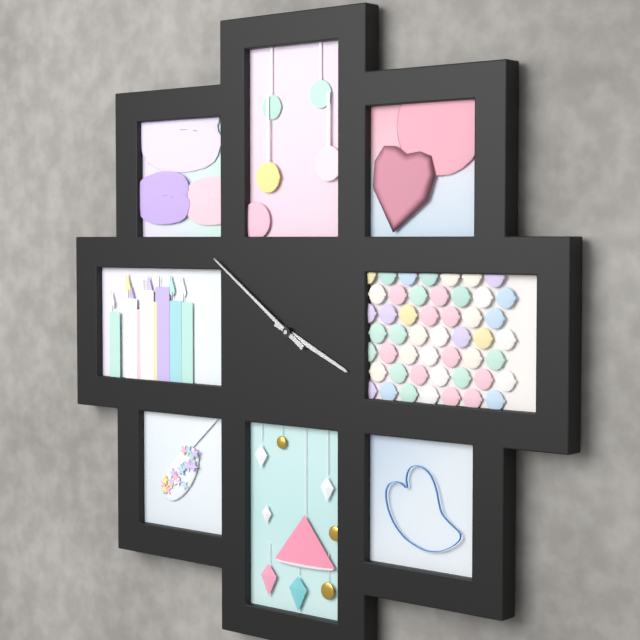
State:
3h51
